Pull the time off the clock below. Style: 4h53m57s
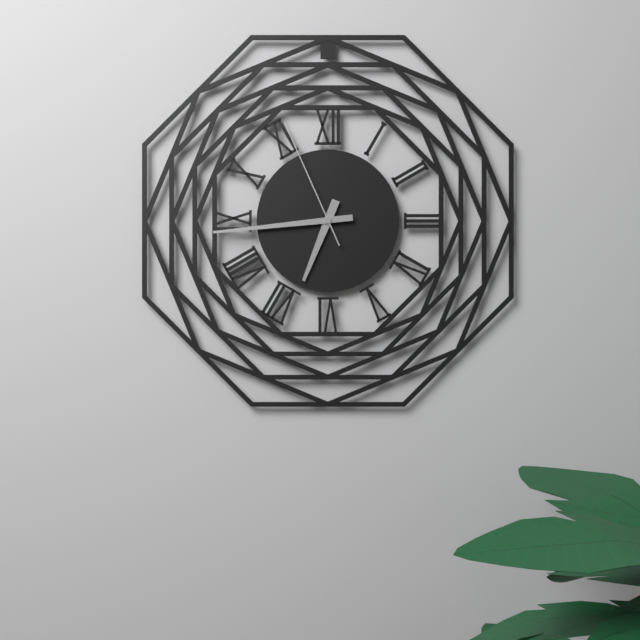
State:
6h44m56s
